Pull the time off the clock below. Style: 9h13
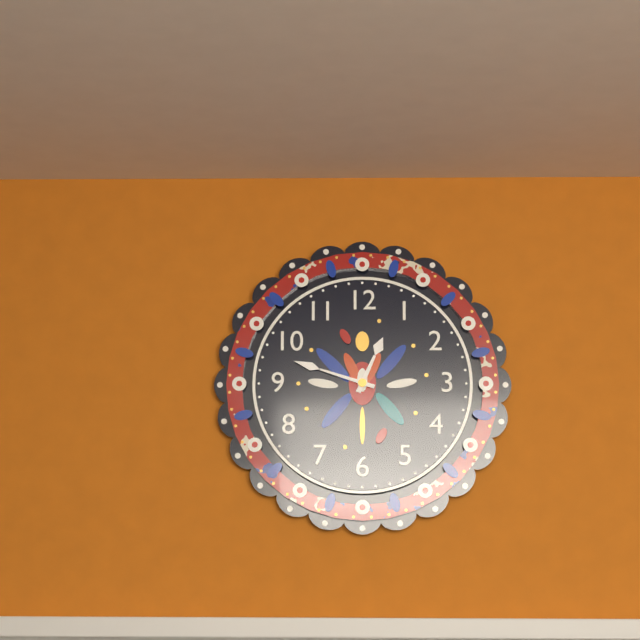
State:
12h48
